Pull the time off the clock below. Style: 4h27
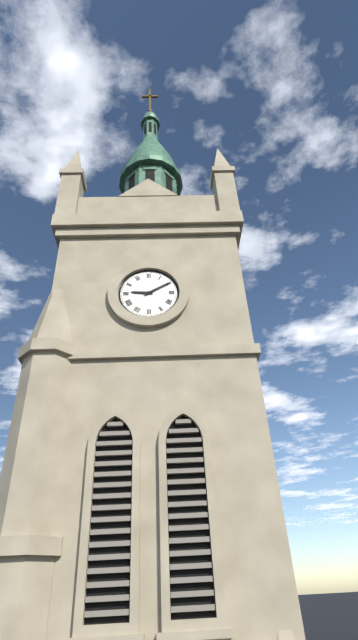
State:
9h10
